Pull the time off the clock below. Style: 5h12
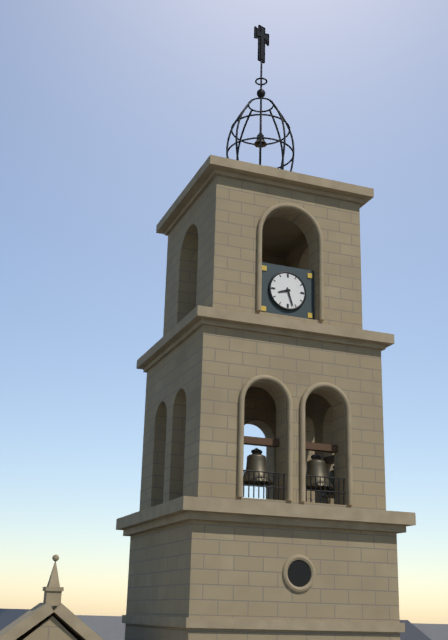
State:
8h27
